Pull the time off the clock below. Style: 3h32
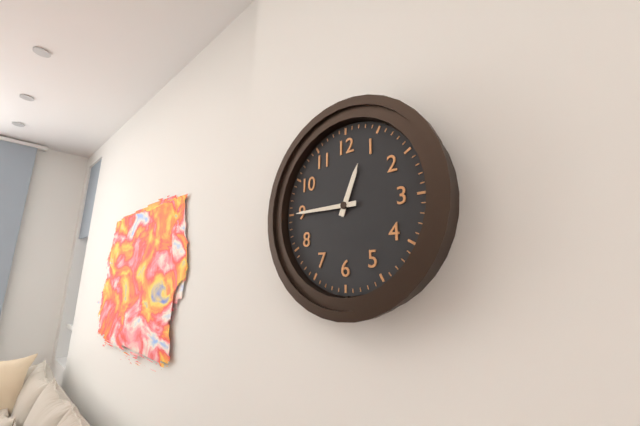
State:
12h45
